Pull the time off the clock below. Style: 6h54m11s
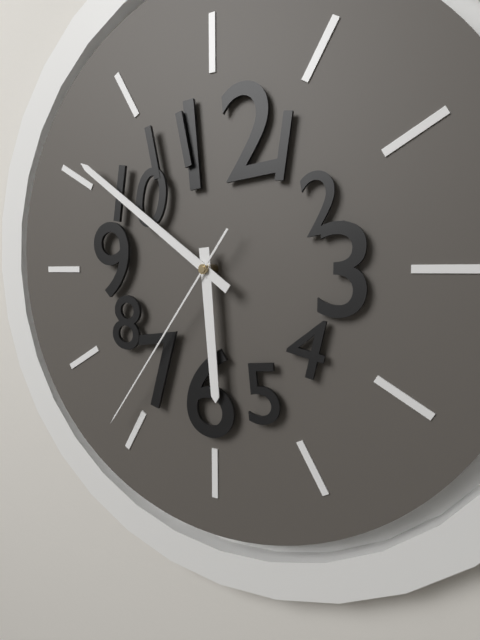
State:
5h51m36s
